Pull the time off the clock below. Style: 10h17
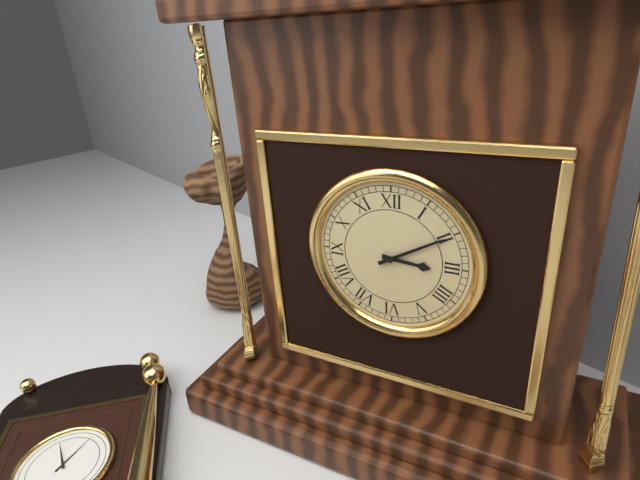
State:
3h10
